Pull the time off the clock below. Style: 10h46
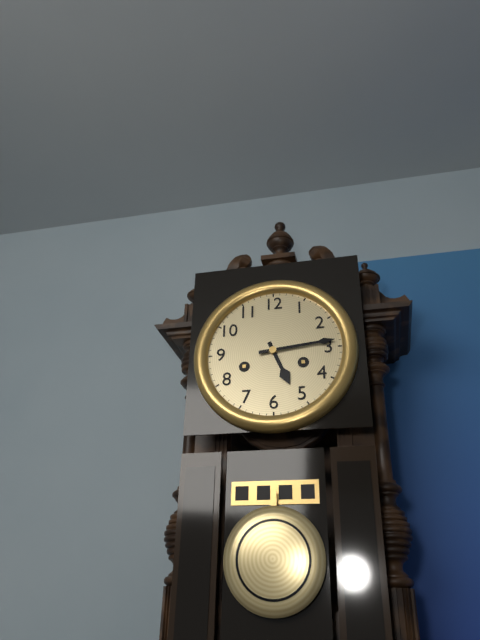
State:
5h14
